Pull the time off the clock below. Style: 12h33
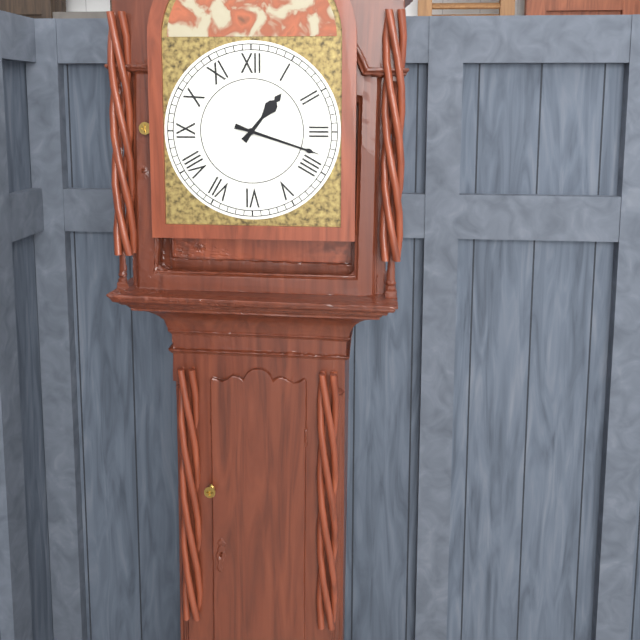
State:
1h18
